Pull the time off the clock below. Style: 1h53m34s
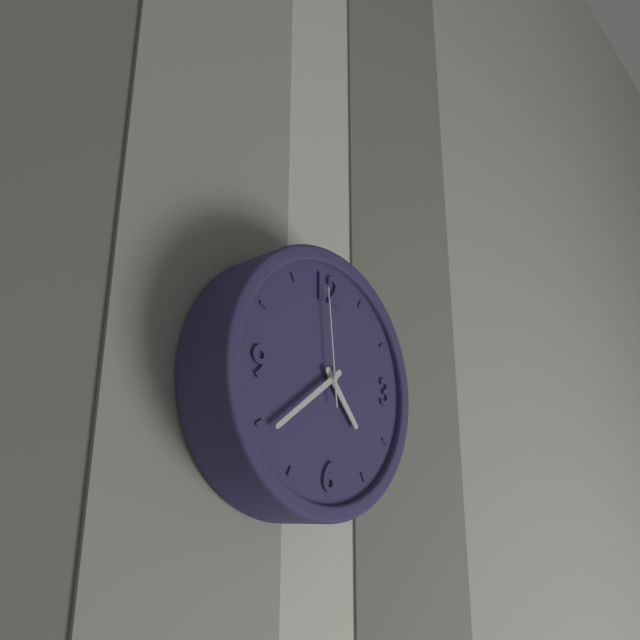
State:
4h39m59s
